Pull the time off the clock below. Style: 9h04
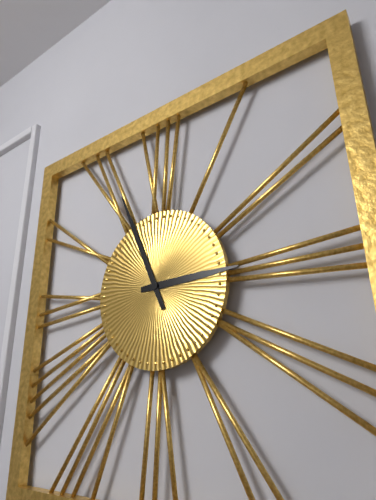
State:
2h56
